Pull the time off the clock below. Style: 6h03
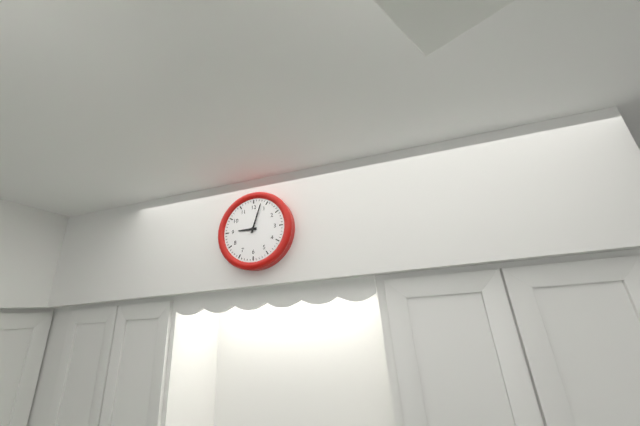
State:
9h03
